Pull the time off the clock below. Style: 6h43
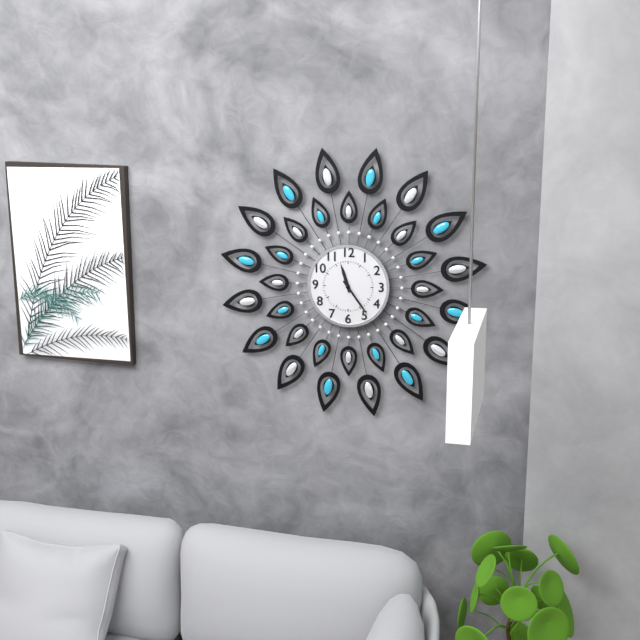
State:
11h24
